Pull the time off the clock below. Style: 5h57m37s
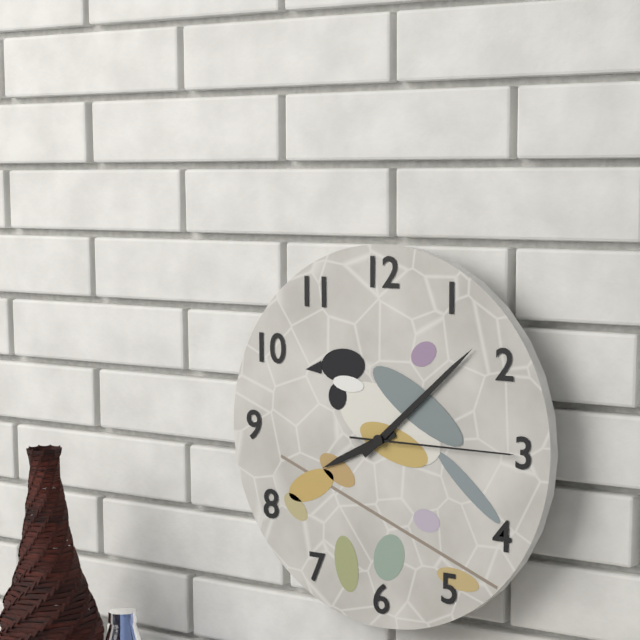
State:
8h08m15s
